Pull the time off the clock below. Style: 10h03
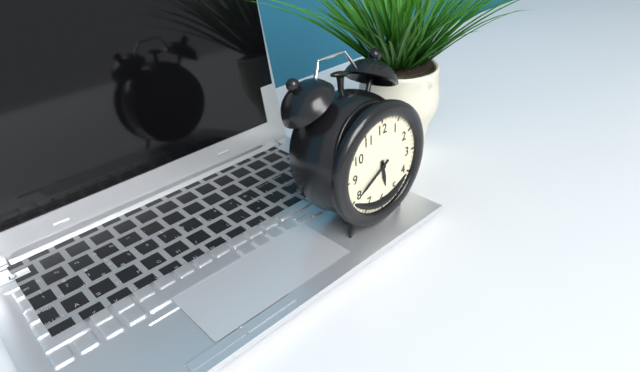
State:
5h40
